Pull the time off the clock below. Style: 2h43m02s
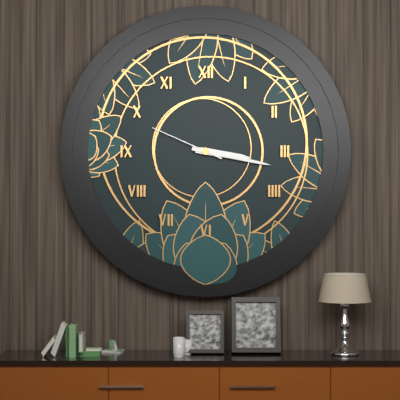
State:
3h17m49s
